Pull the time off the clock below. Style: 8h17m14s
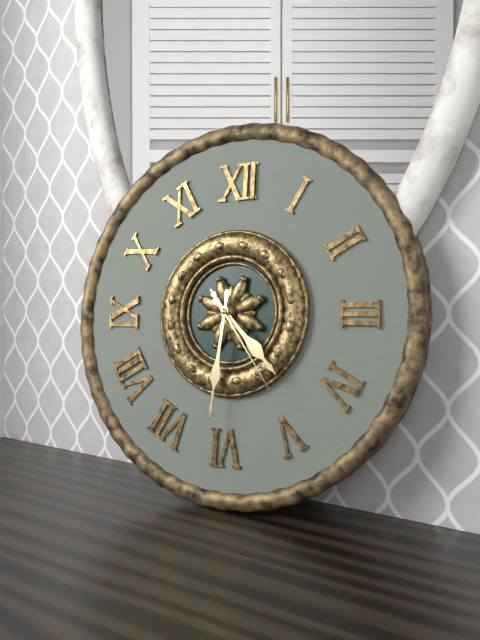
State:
4h31m24s
